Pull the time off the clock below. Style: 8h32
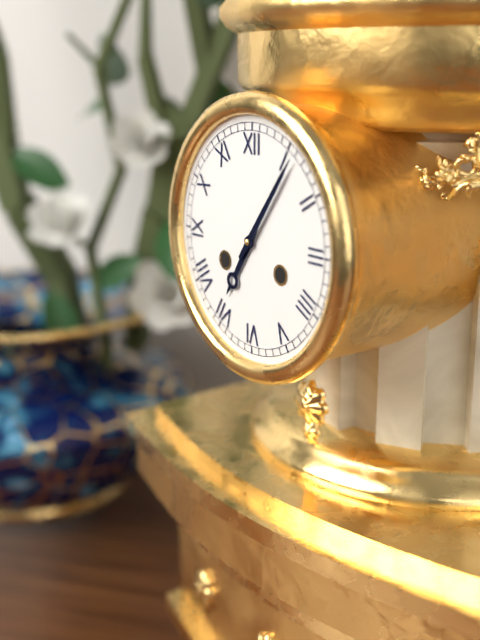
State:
7h06
